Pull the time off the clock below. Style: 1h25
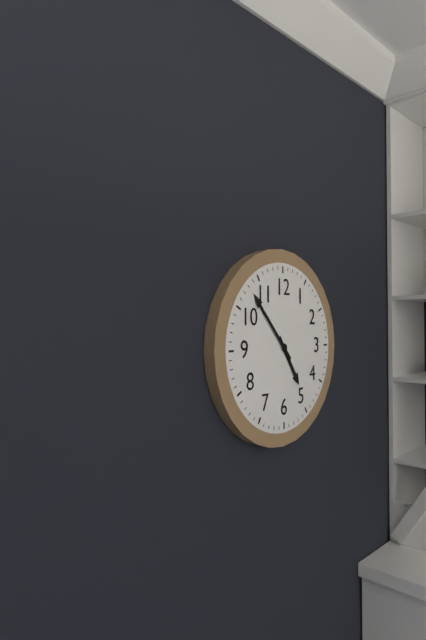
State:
4h53
